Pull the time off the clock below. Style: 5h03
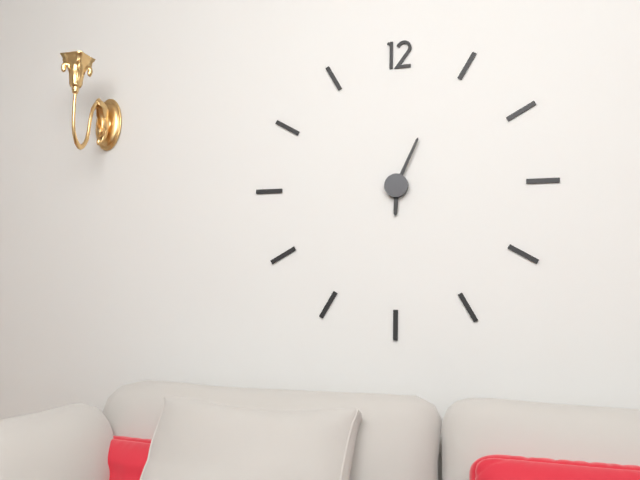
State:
6h04
